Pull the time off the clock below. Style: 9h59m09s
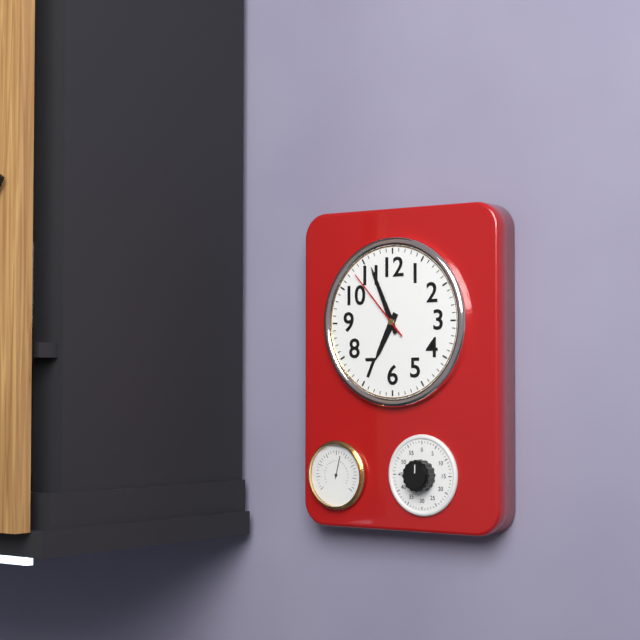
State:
6h56m53s
